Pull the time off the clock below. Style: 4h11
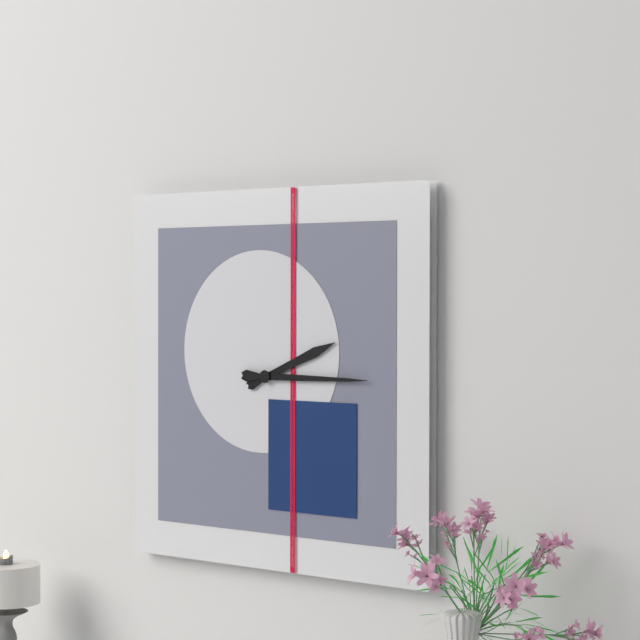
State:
2h15
